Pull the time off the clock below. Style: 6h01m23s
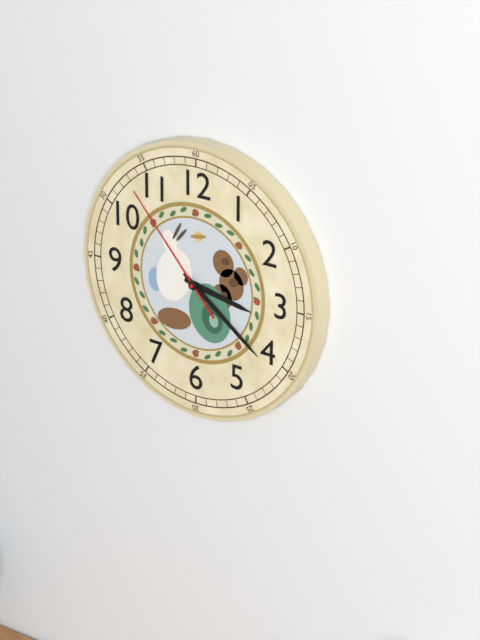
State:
3h21m53s
